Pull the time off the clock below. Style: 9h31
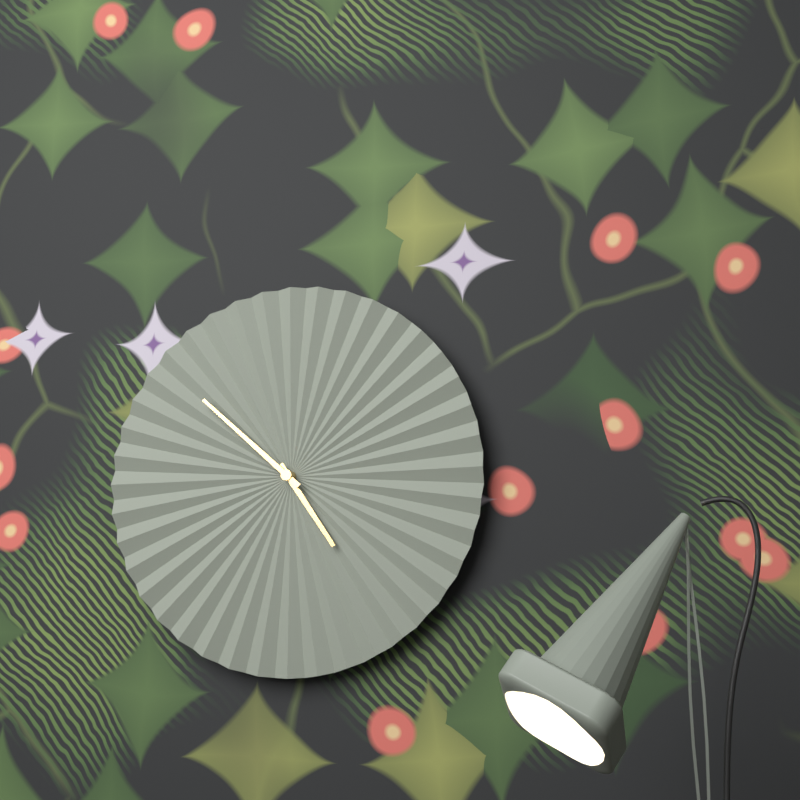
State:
4h52
